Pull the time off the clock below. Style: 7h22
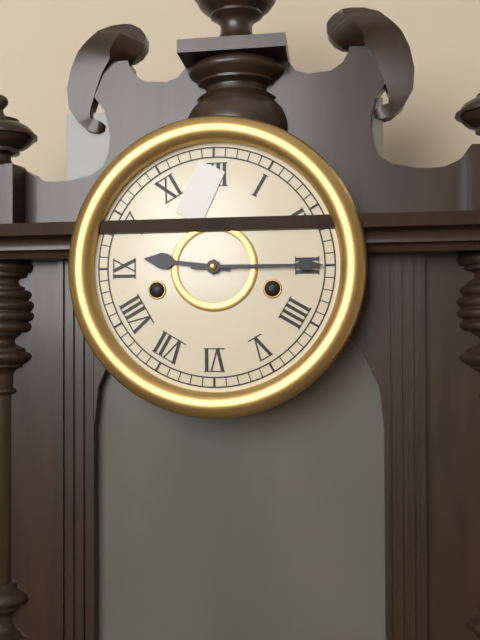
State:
9h15
